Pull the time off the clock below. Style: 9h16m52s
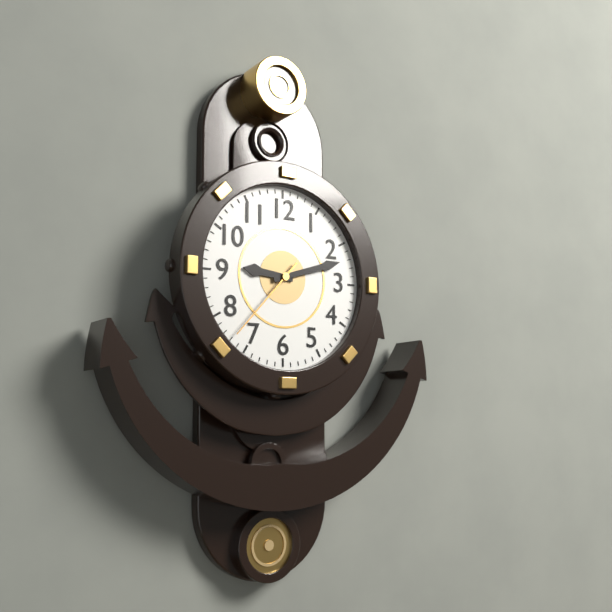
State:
9h12m37s
